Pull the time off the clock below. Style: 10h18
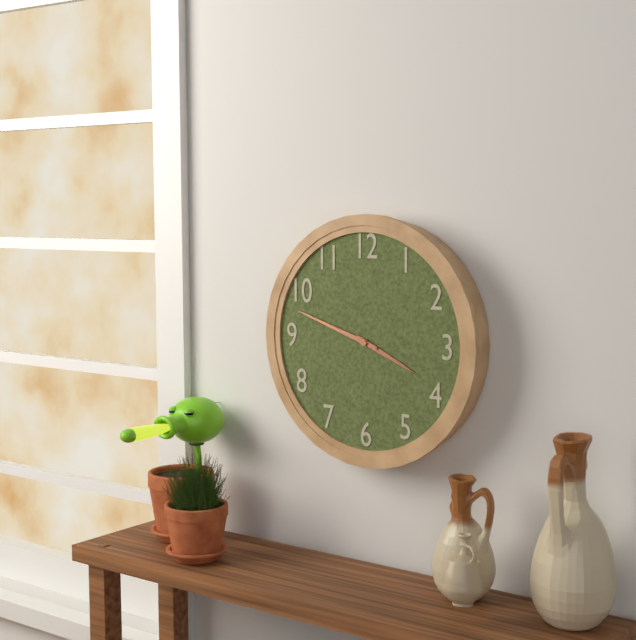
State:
3h48
